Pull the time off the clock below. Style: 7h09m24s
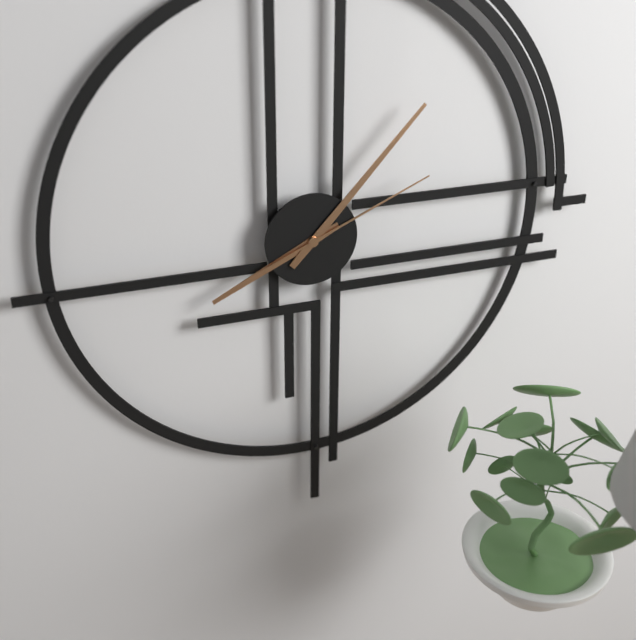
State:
8h07m11s
